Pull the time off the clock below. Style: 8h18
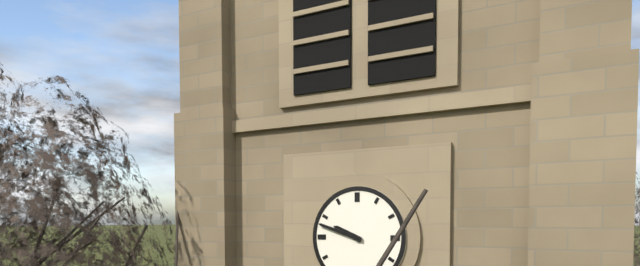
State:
9h48
